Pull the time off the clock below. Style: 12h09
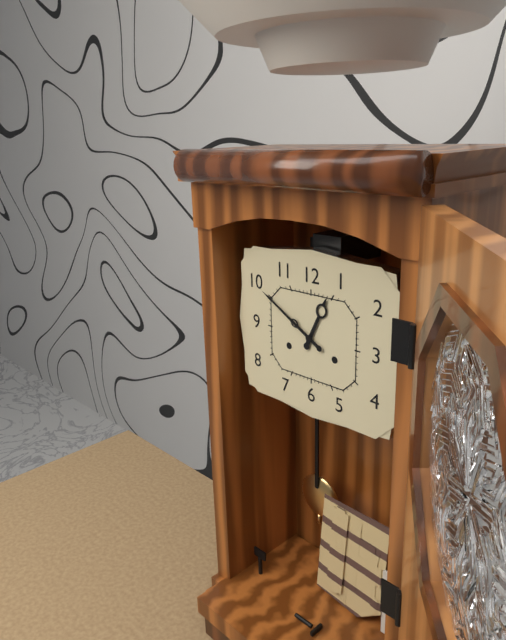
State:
12h50
